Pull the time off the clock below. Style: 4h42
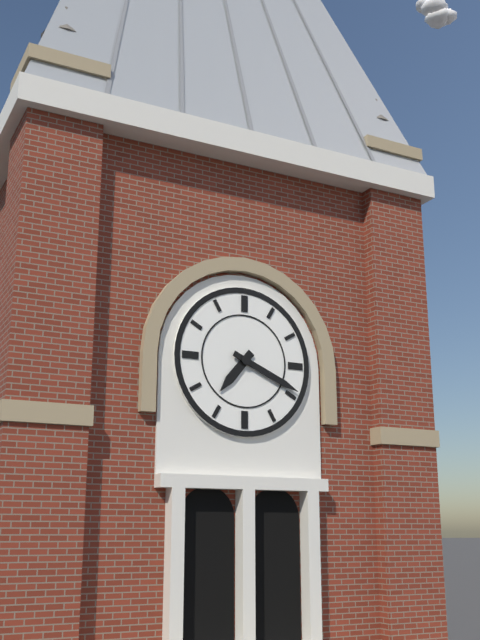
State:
7h19
